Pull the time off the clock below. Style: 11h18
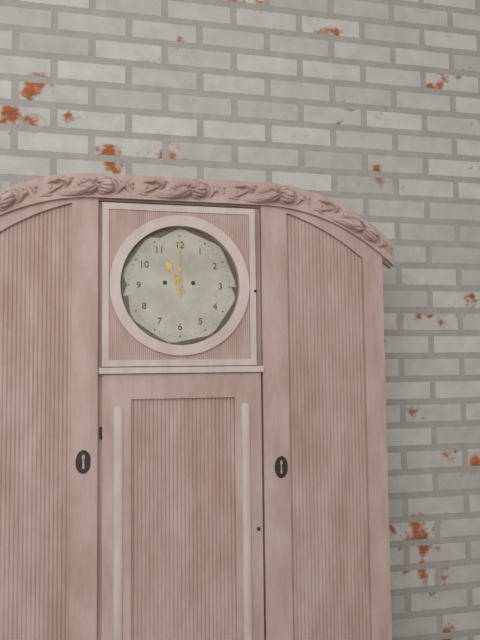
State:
11h00
